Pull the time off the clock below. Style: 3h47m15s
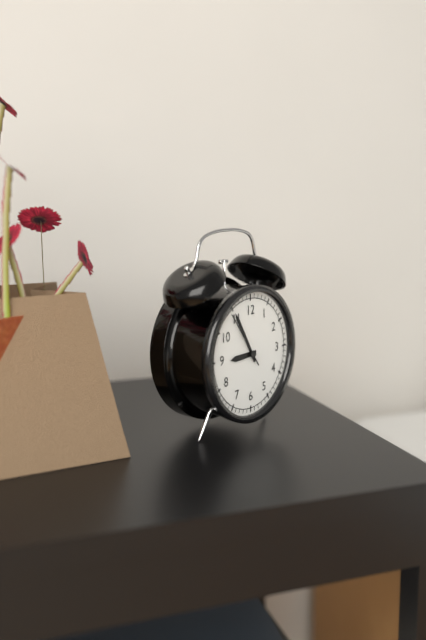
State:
8h55m54s
